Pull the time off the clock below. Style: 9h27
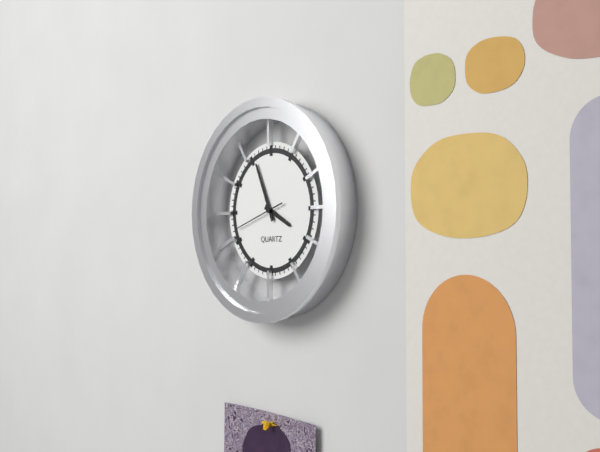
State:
3h56
